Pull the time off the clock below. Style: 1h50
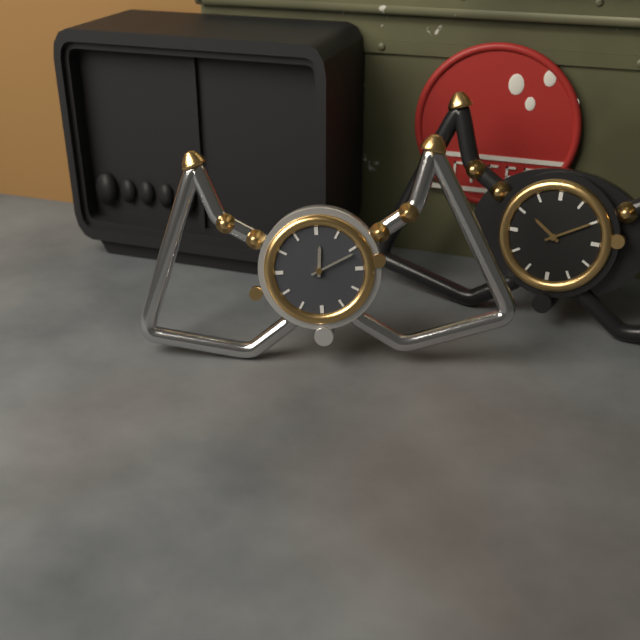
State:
12h11
